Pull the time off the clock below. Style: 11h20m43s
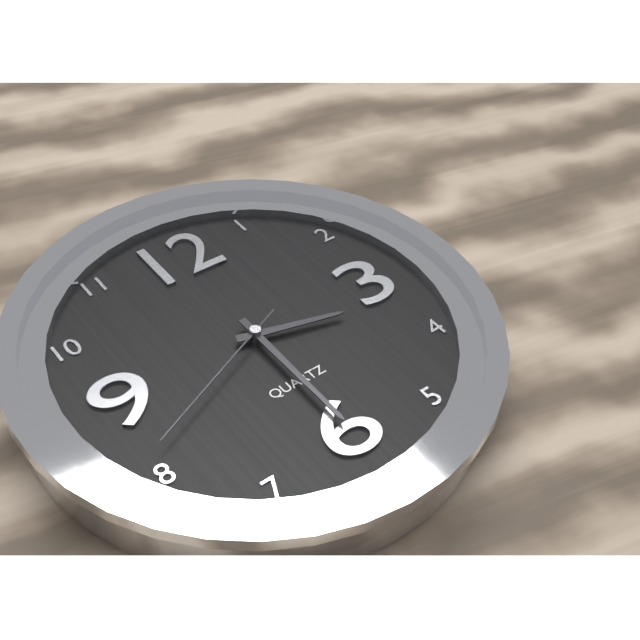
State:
3h30m41s
